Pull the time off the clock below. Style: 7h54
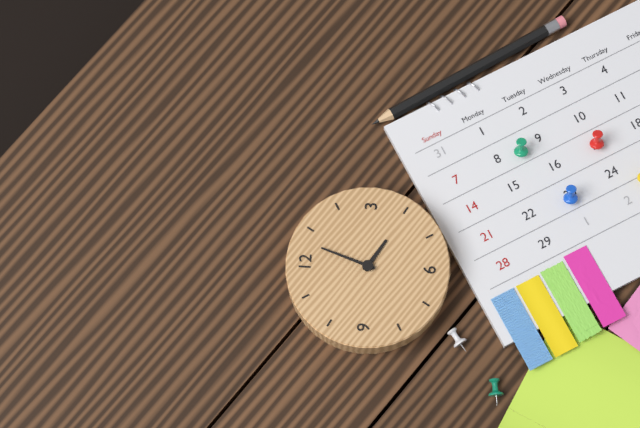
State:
4h03
